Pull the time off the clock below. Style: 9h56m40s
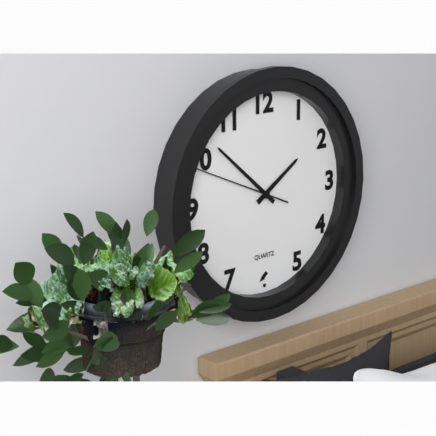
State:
1h52m49s
